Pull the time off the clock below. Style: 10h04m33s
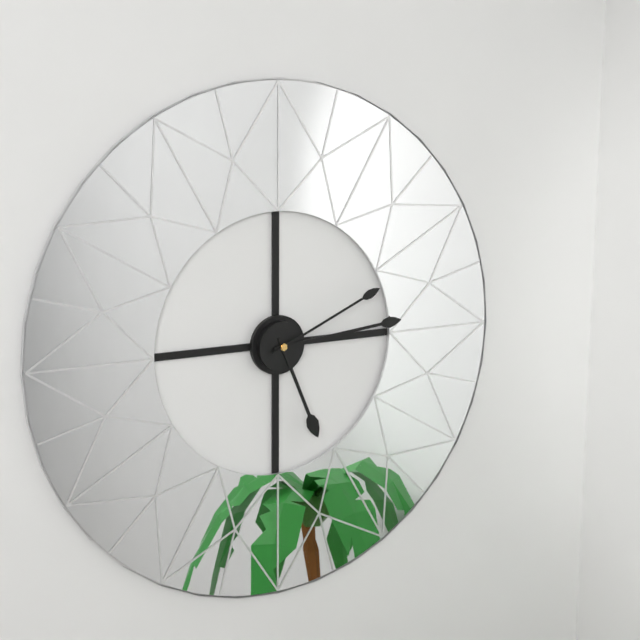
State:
5h14m11s
